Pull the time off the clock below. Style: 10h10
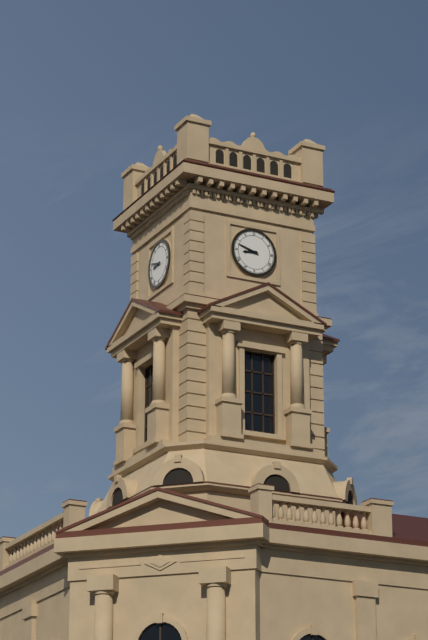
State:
8h48
